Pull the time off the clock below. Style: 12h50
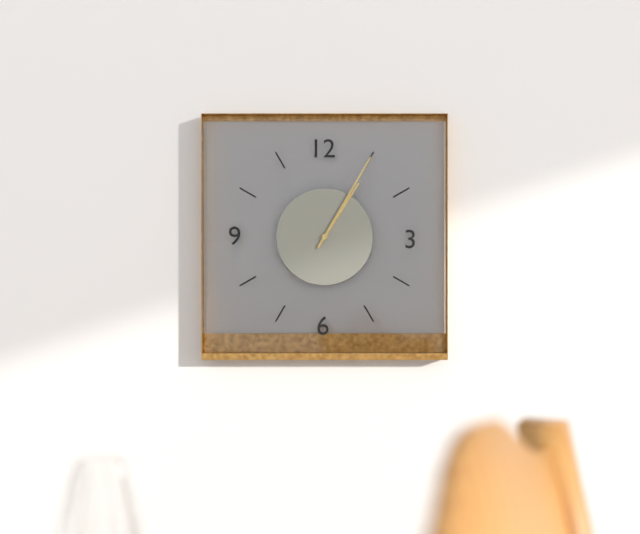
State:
1h05
